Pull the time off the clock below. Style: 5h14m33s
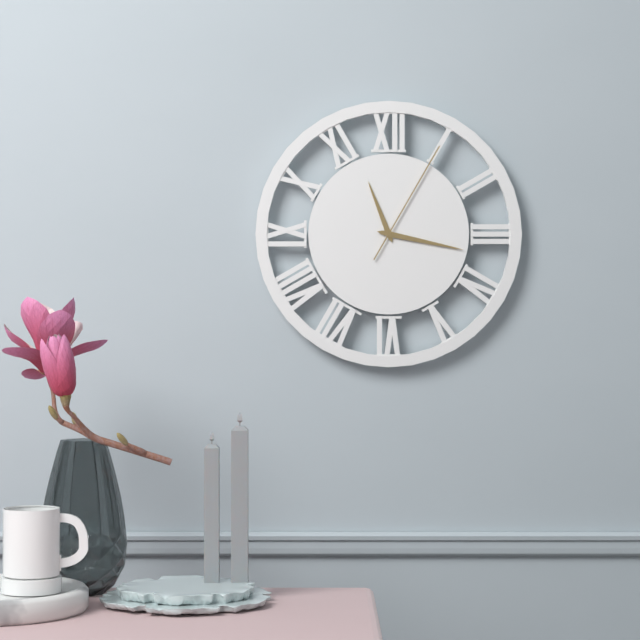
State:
11h17m05s
